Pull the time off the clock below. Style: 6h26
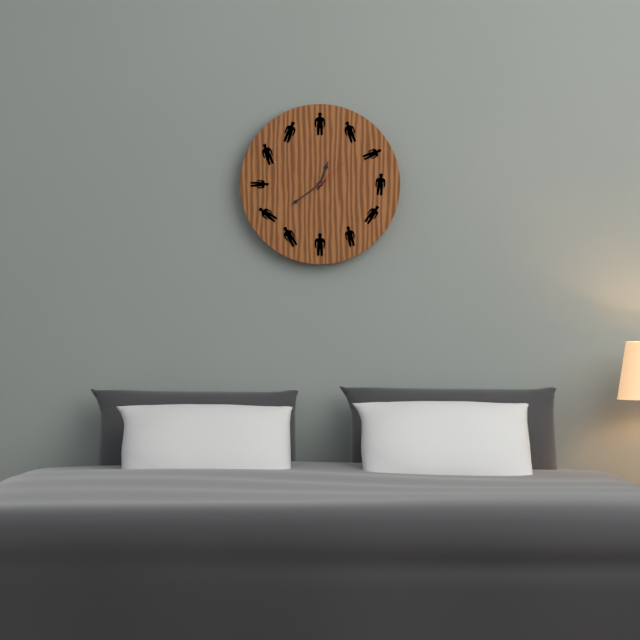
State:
12h39
